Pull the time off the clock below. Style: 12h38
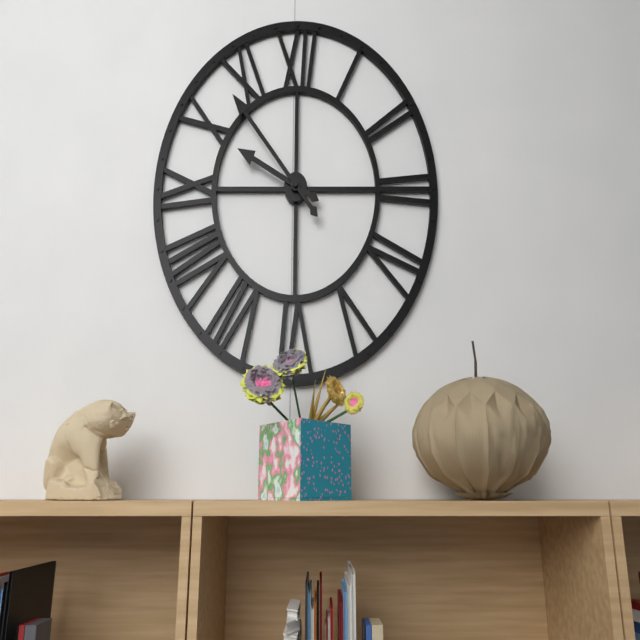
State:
9h53
